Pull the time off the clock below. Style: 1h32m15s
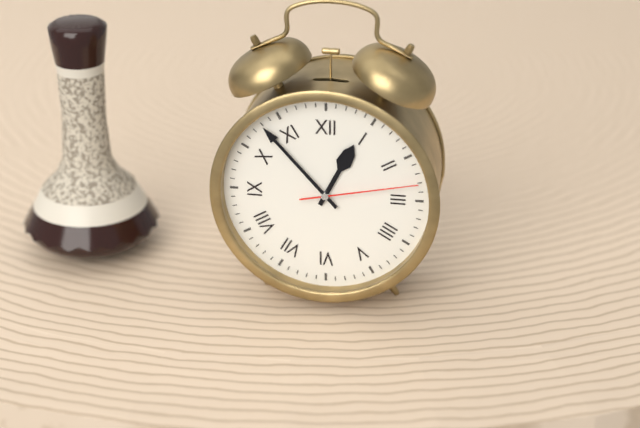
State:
12h53m13s
